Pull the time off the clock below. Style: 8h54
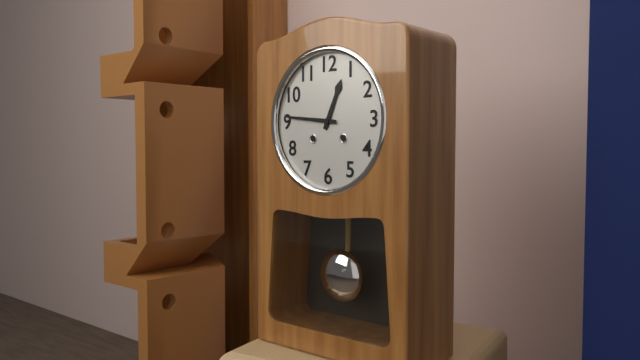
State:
12h46
